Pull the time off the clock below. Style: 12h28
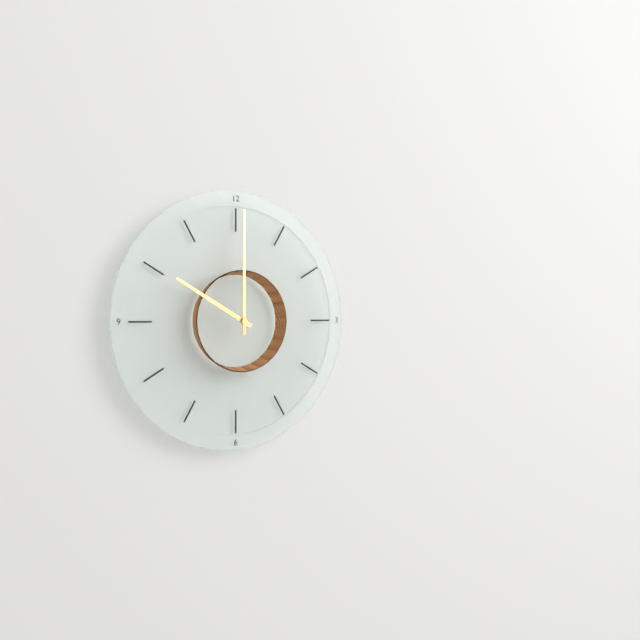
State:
10h00
